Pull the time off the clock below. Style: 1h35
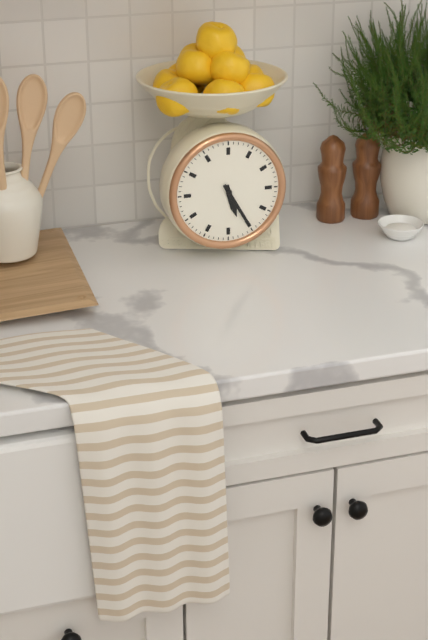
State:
5h25
